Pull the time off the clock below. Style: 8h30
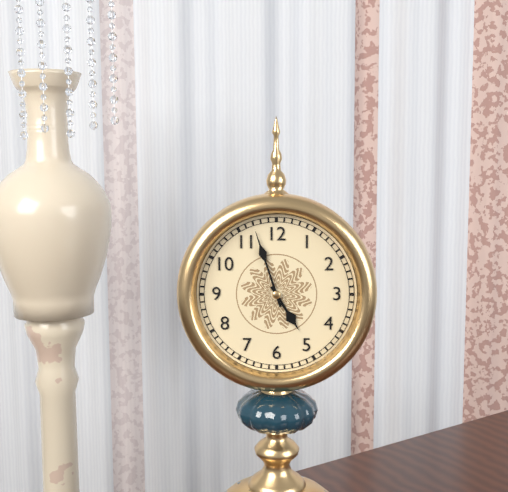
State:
4h57
